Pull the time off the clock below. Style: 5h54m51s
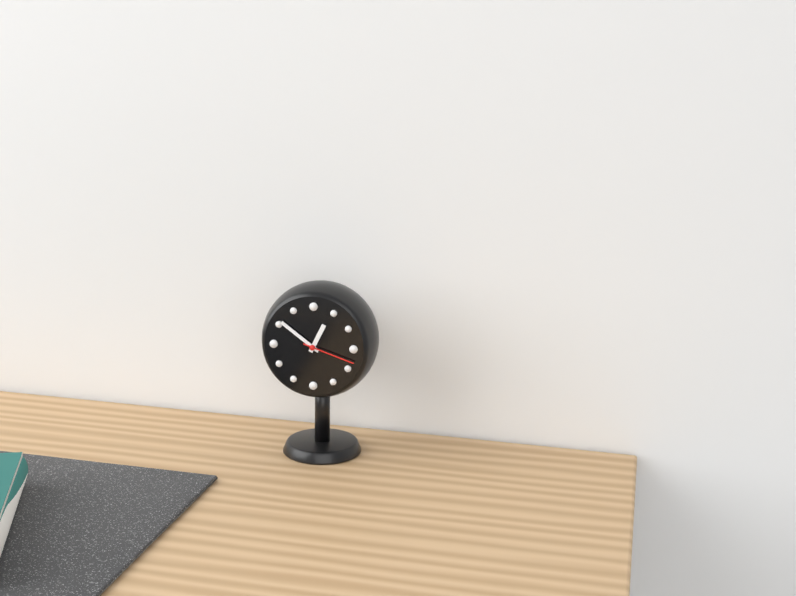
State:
12h51m18s
